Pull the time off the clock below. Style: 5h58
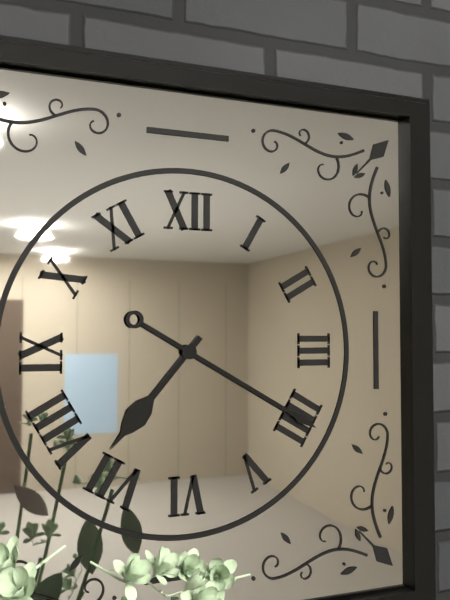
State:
7h20
